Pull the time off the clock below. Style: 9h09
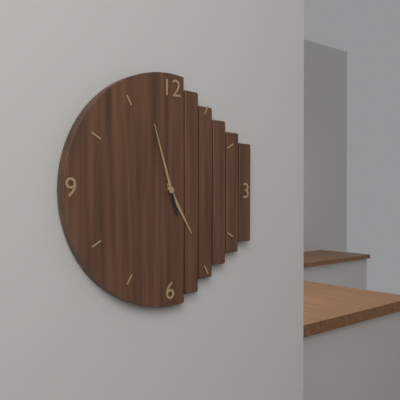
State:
4h57
